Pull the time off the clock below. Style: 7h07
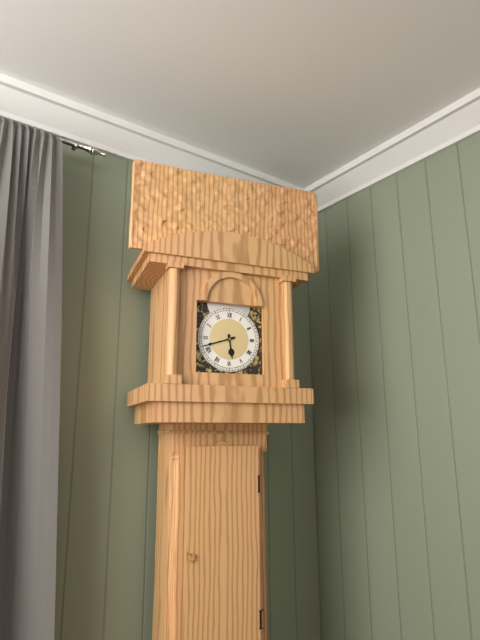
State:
5h42
